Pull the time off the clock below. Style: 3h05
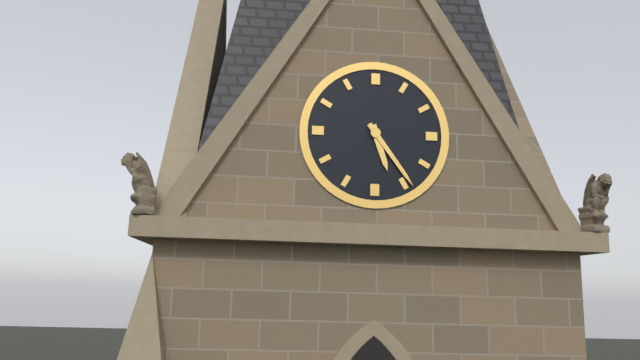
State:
5h24
